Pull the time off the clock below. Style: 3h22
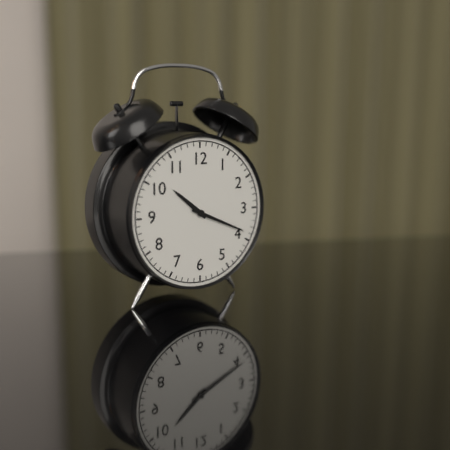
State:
10h19
